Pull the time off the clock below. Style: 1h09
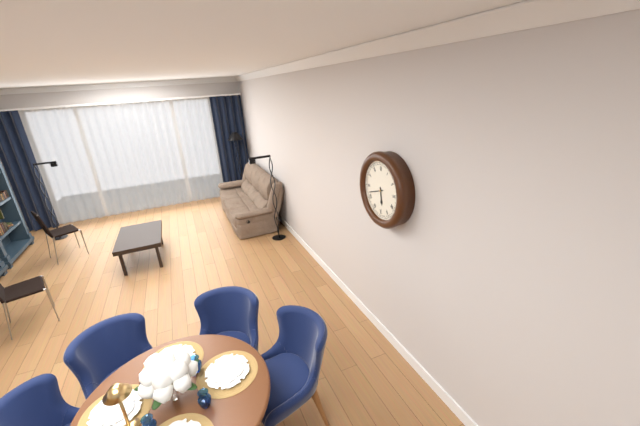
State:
5h42
